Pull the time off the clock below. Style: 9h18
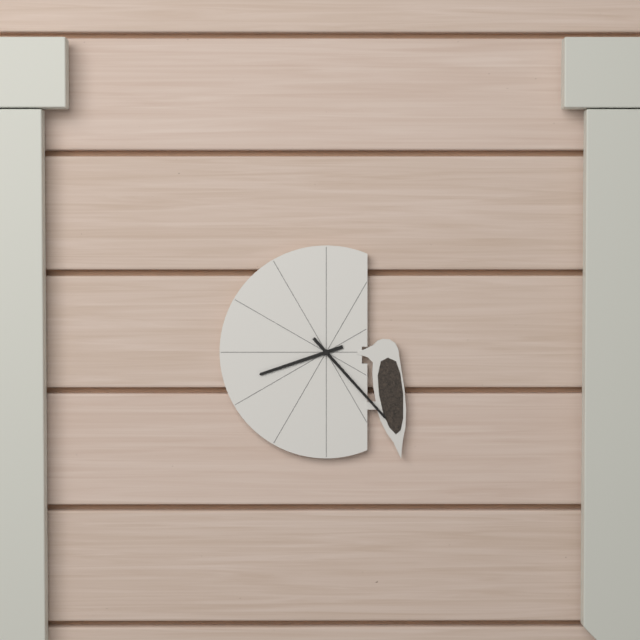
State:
8h23
